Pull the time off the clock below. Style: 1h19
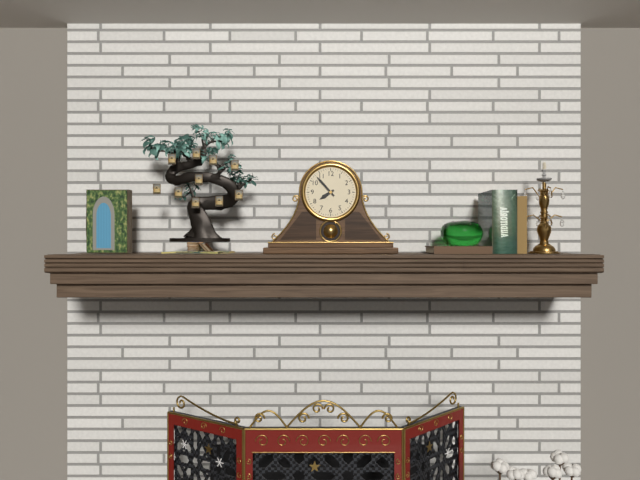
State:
7h53
